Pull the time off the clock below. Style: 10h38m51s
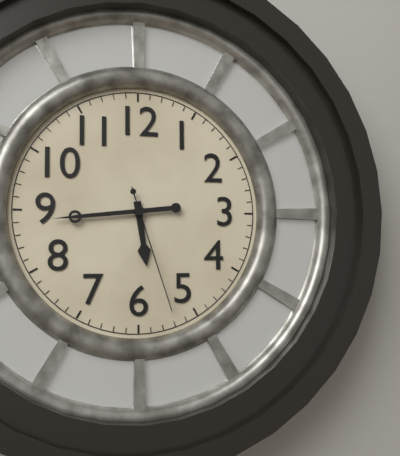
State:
5h44m27s
